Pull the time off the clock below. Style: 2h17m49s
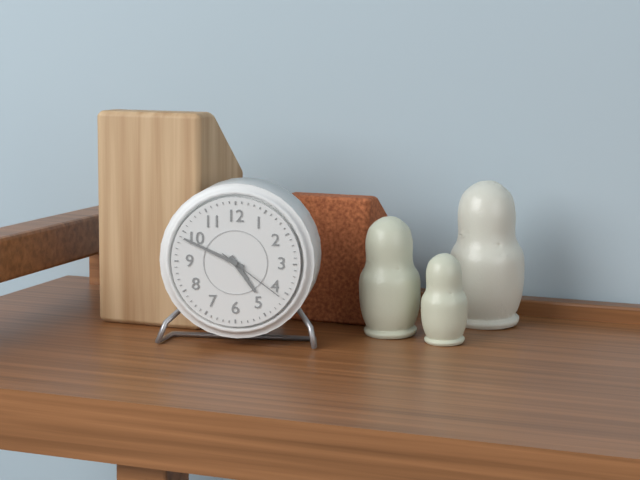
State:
4h49m21s
